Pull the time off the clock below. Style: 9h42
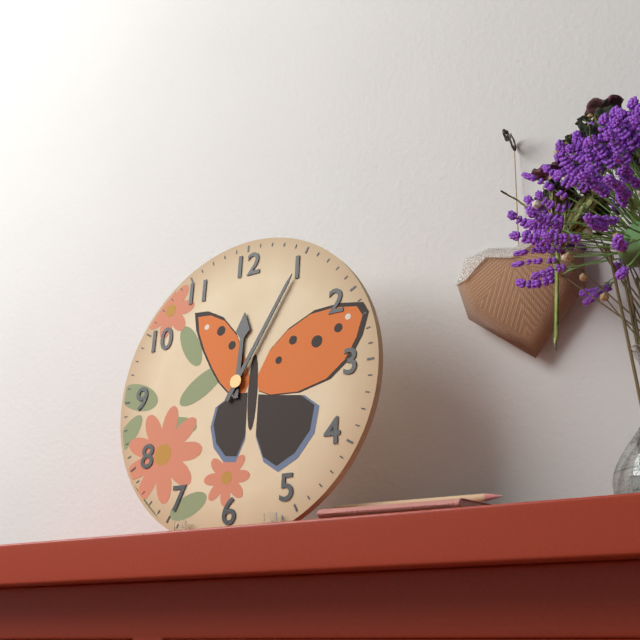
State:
12h05
